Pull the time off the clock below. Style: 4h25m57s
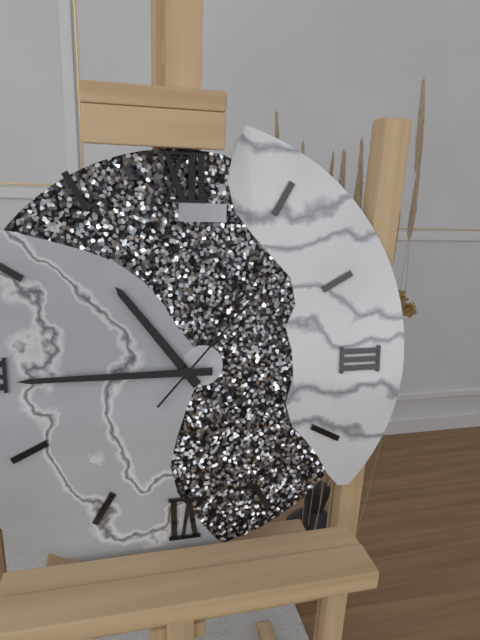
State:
10h45m07s
